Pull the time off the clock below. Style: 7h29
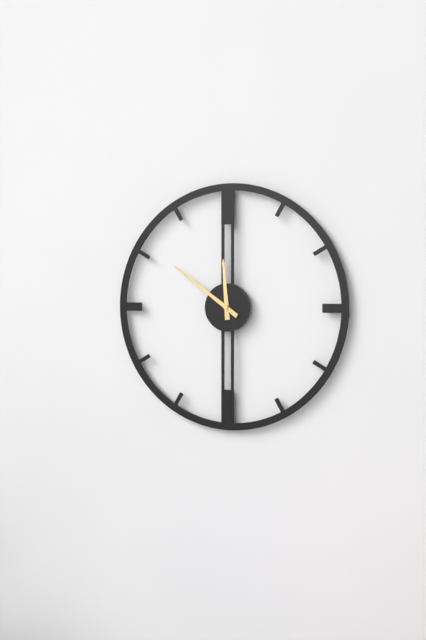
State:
11h51
